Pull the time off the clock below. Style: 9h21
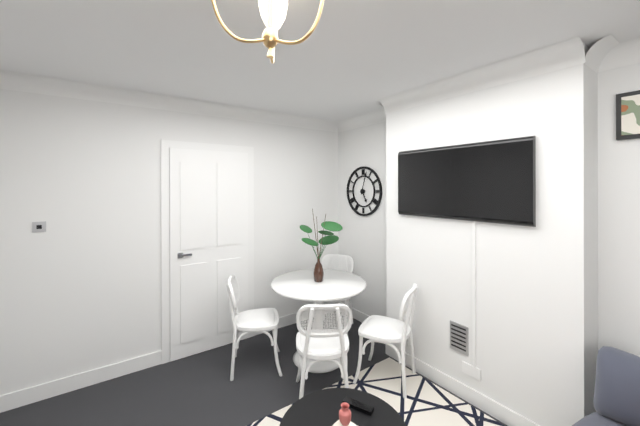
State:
5h03
